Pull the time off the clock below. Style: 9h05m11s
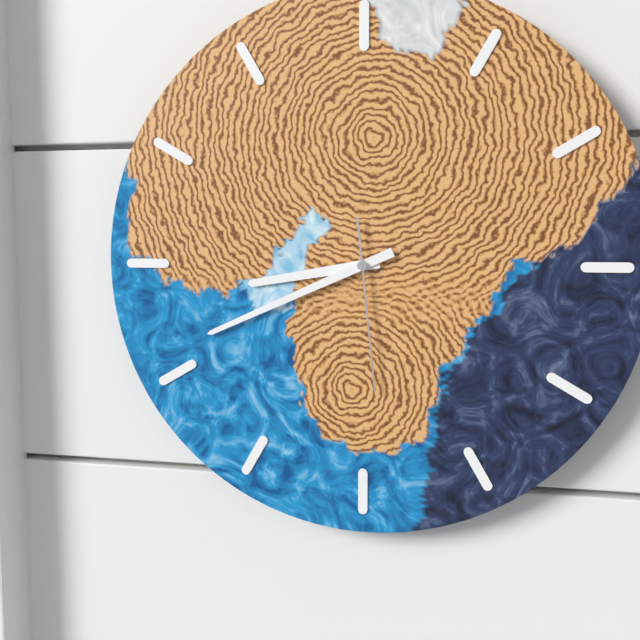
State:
8h41m29s
